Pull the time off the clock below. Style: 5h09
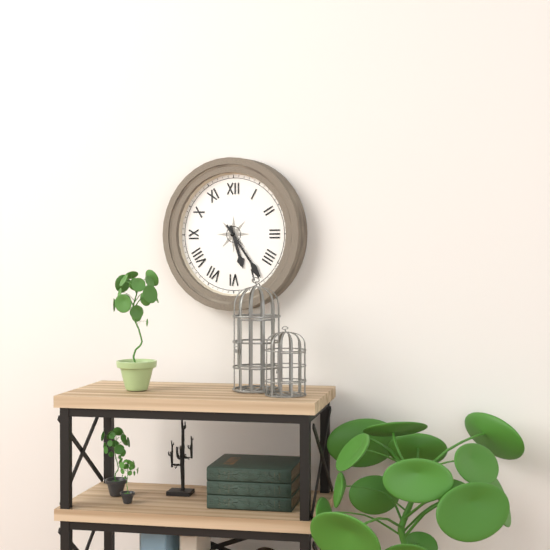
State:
5h24
